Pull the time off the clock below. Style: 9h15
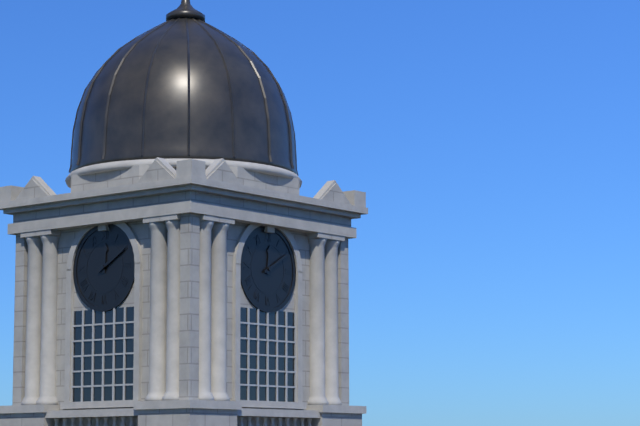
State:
12h10
